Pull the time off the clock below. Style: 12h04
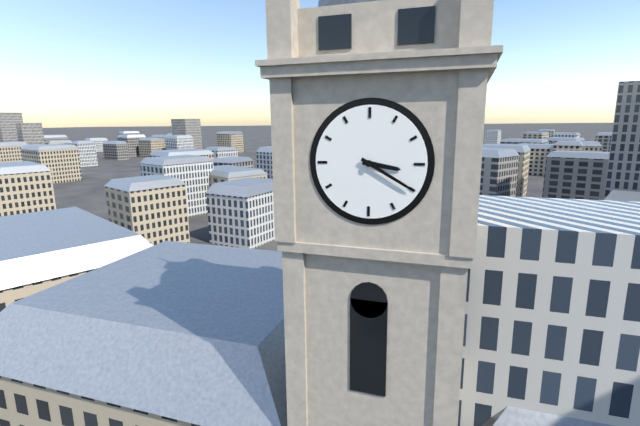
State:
3h20
